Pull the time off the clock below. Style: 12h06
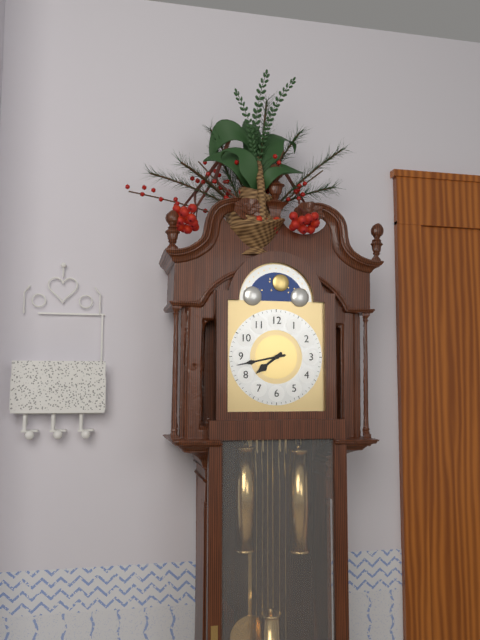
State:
7h43
